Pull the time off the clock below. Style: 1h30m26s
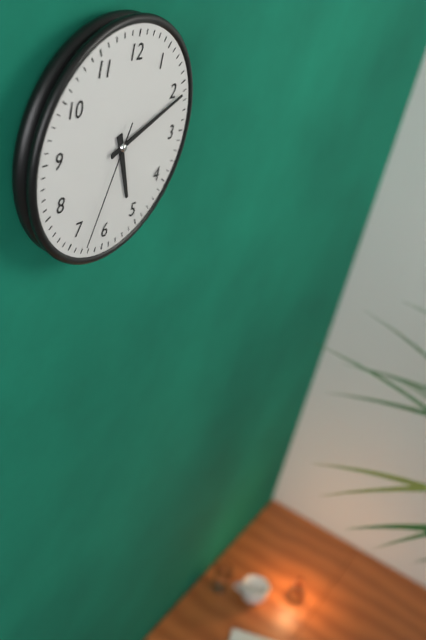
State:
5h11m33s
